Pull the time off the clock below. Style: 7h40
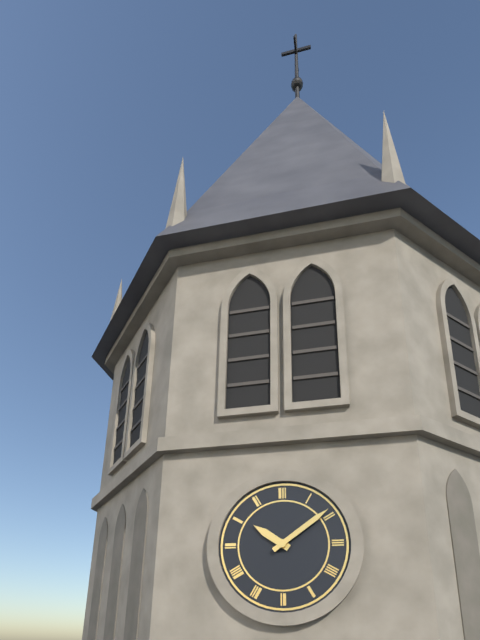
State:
10h09
